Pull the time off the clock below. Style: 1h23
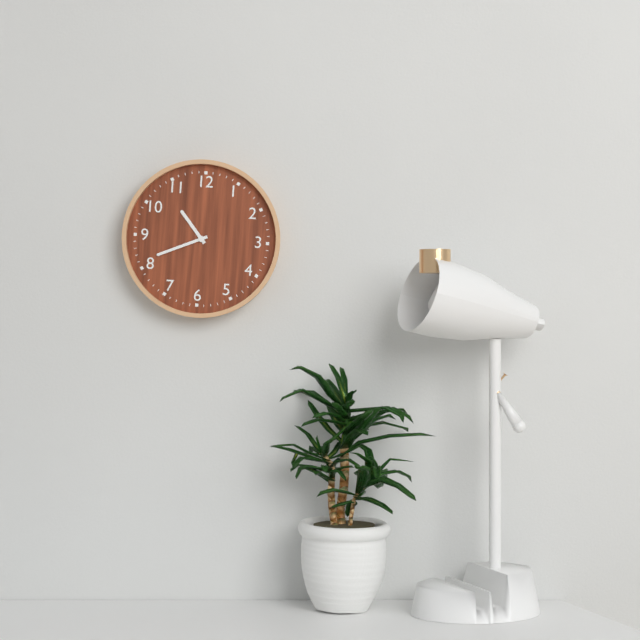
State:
10h41
